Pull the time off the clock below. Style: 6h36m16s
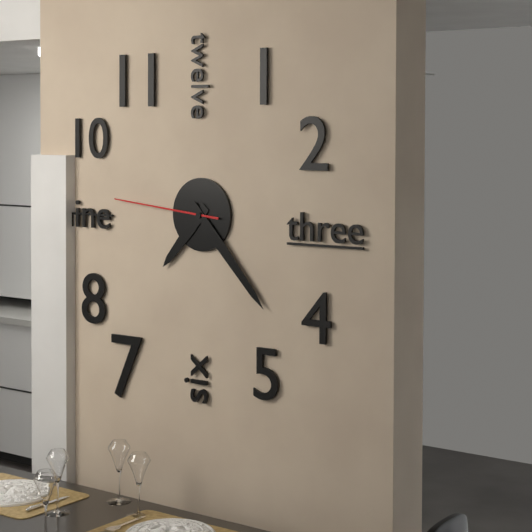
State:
7h23m46s
